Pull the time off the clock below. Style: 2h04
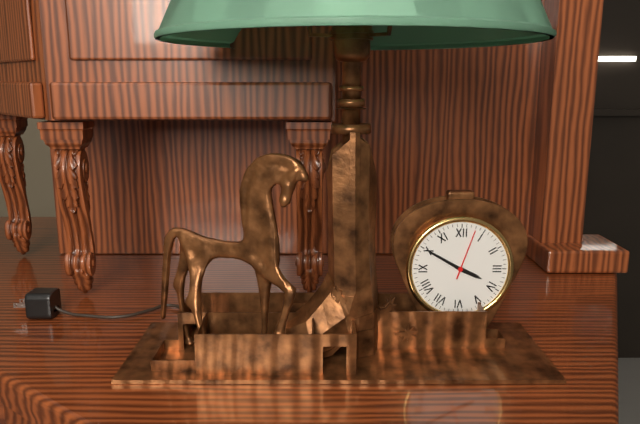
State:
3h50
